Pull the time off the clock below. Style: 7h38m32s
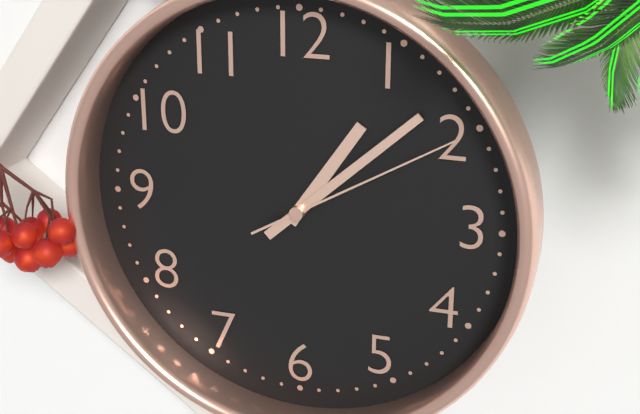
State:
1h08m10s
